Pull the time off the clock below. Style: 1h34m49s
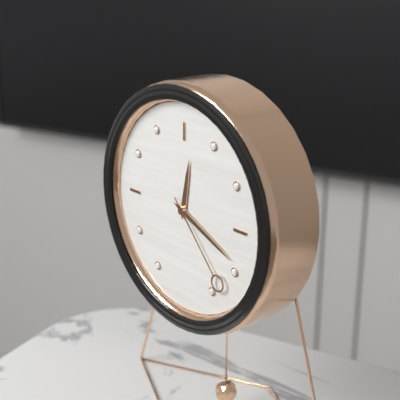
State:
12h19m23s
